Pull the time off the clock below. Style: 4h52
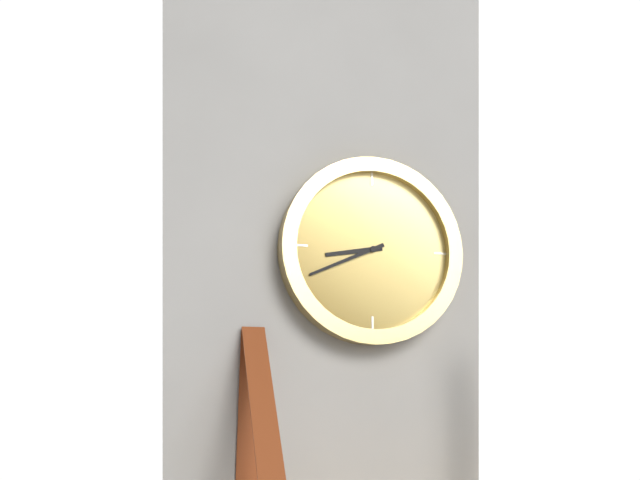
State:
8h41
